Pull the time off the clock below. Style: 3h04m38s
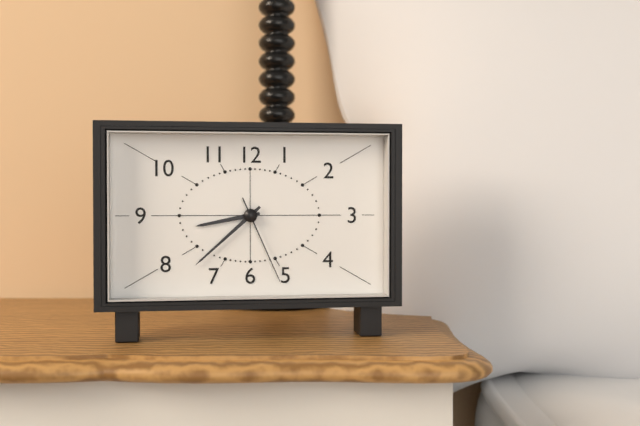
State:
8h38m26s
